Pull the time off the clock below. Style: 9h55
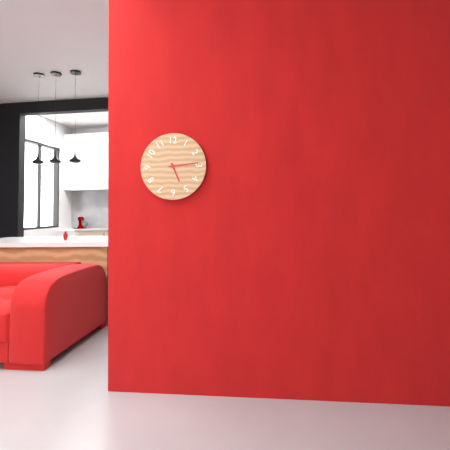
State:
5h14
